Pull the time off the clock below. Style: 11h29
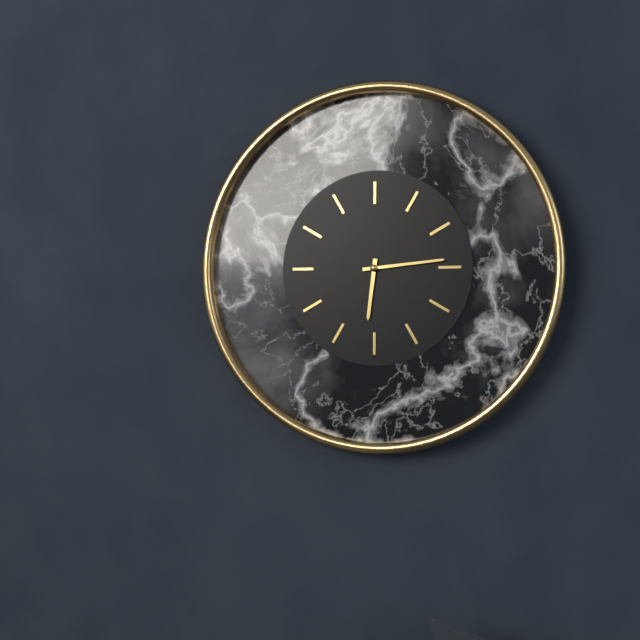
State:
6h14
